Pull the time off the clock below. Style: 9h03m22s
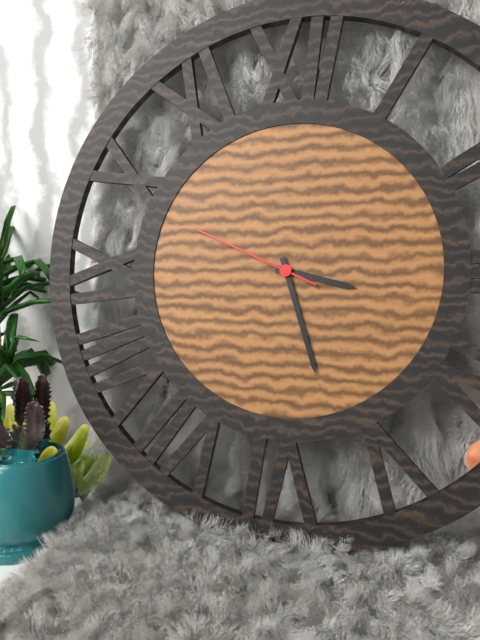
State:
3h27m49s
